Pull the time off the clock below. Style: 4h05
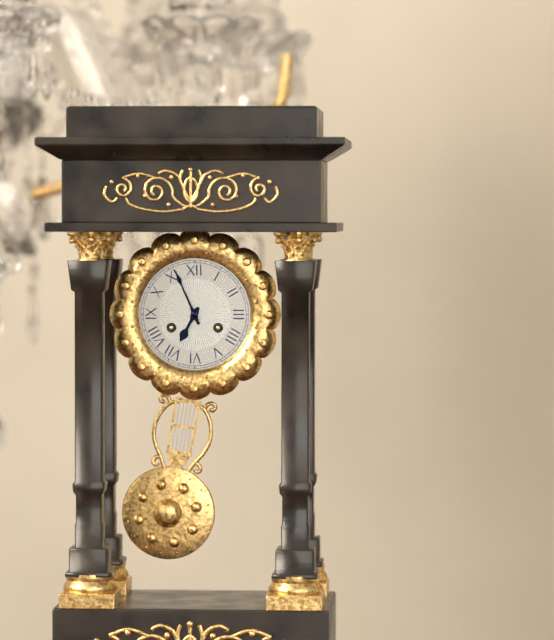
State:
6h56
